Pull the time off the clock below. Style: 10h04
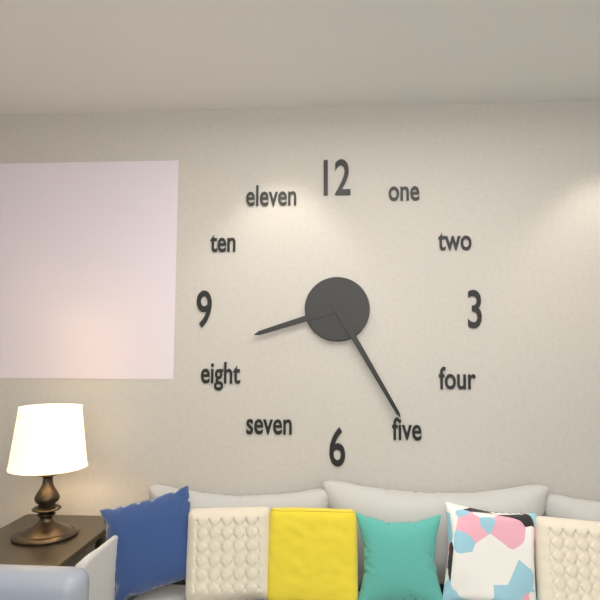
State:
8h25
